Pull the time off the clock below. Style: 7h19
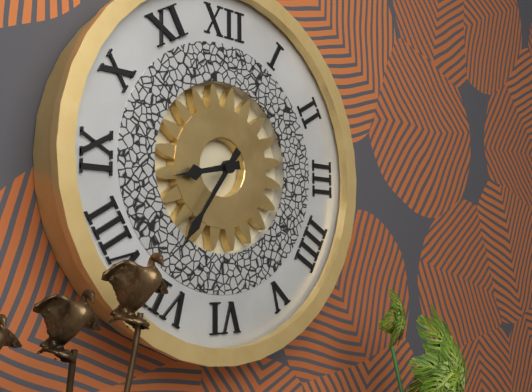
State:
8h36
